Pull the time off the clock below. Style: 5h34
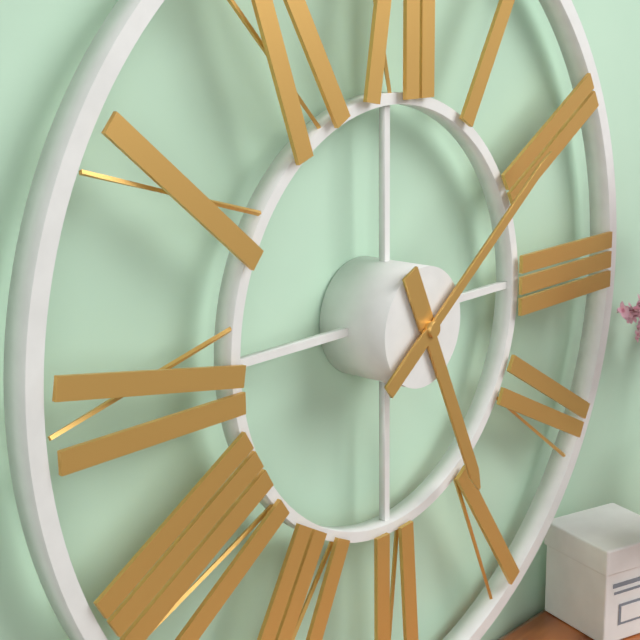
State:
5h09
